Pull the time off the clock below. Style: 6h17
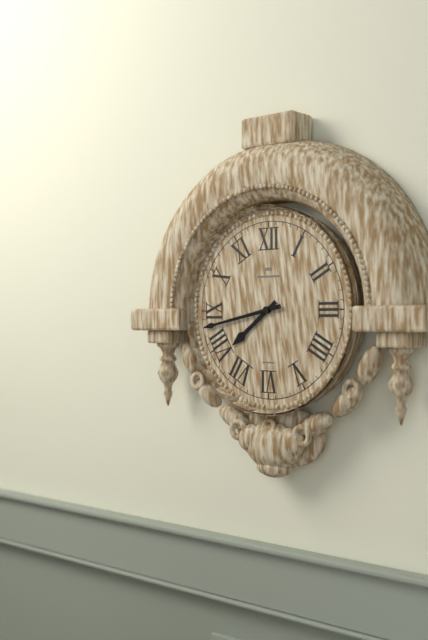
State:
7h43
